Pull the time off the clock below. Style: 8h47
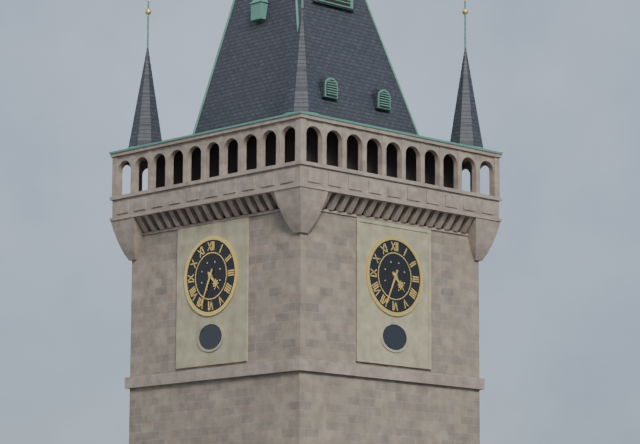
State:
4h34
